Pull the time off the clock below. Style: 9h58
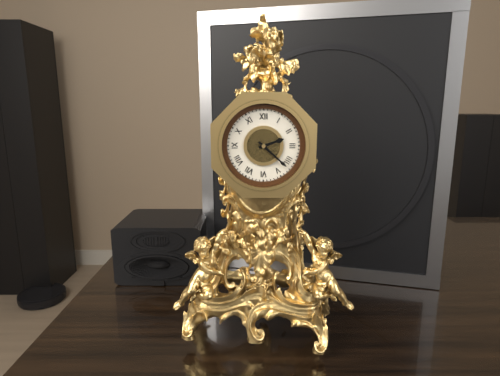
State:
2h22
